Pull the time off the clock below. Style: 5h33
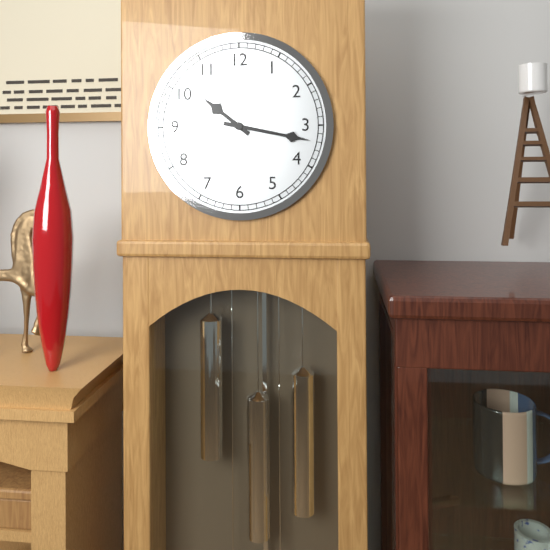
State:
10h17
